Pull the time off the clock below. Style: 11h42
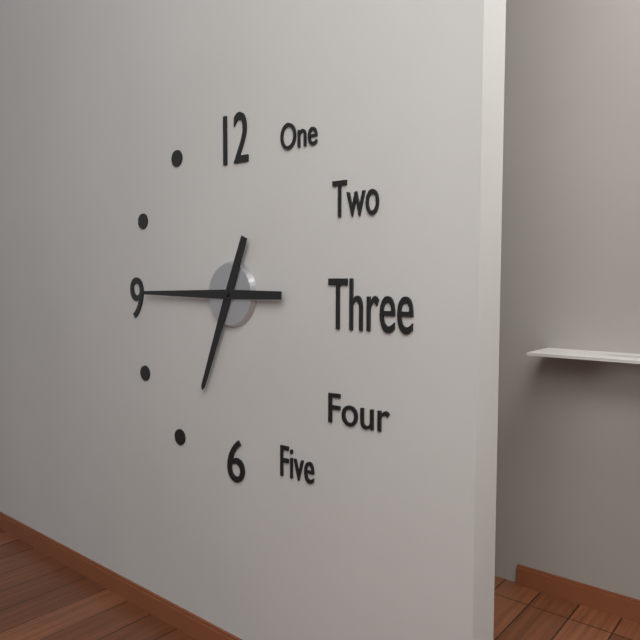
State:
6h45
